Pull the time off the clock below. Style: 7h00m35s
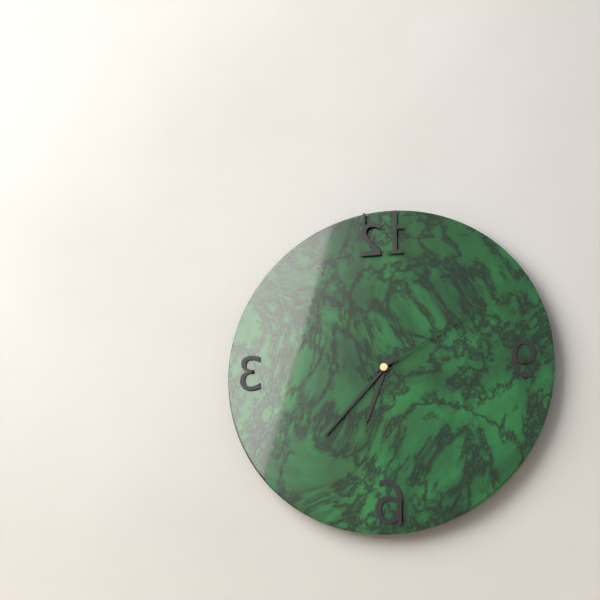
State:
6h37m10s
